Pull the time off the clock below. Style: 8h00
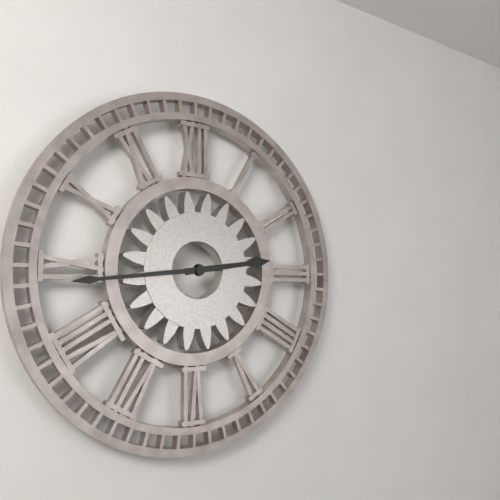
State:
2h44
